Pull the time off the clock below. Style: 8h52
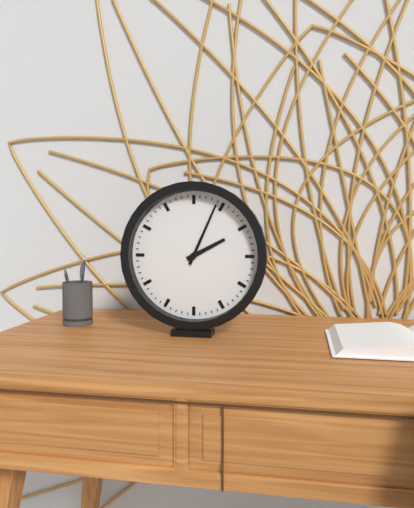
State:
2h04
